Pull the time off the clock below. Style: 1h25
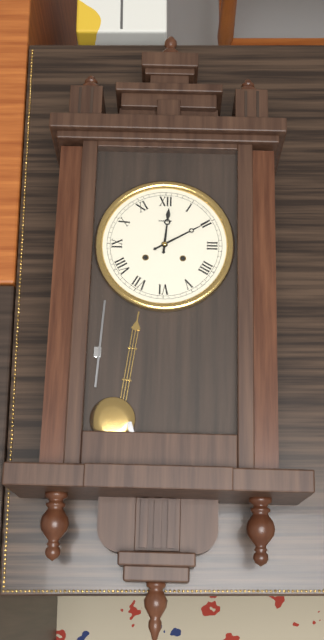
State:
12h10
